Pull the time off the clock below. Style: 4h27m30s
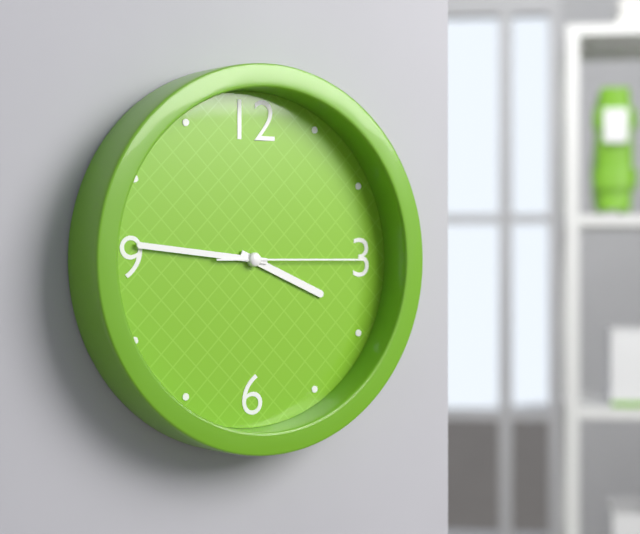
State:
3h46m15s
